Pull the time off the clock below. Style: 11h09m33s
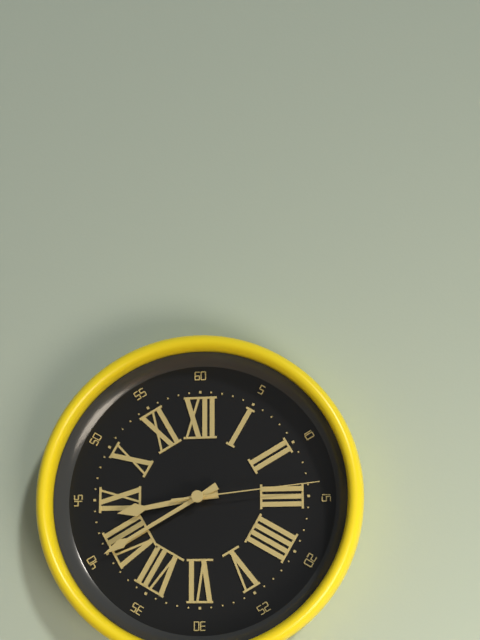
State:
8h40m14s
